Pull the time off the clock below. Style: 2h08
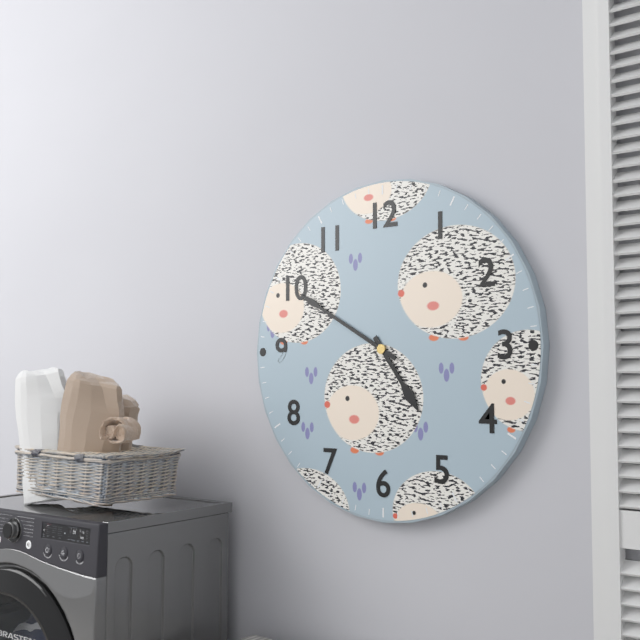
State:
4h50
